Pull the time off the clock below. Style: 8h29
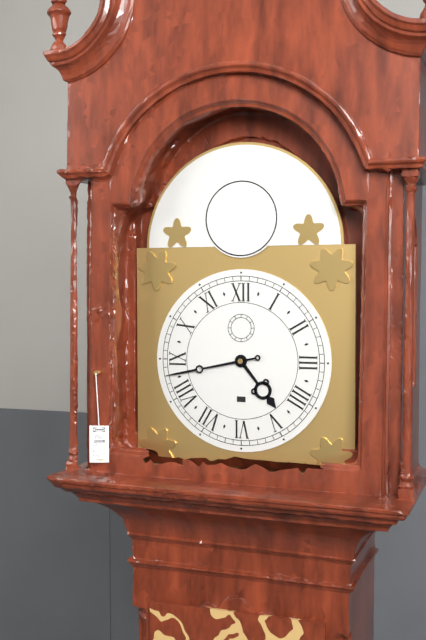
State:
4h43
